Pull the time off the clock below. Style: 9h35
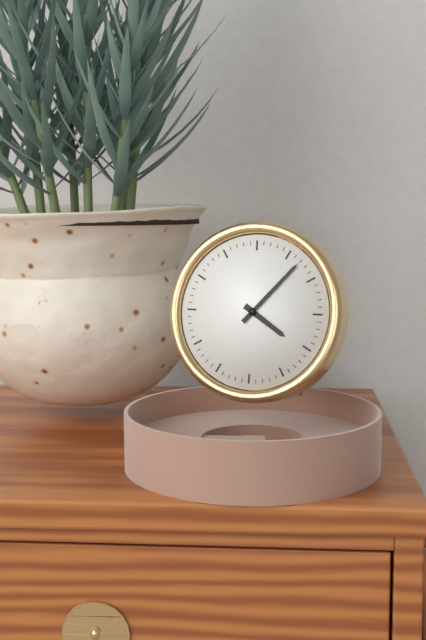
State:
4h07
